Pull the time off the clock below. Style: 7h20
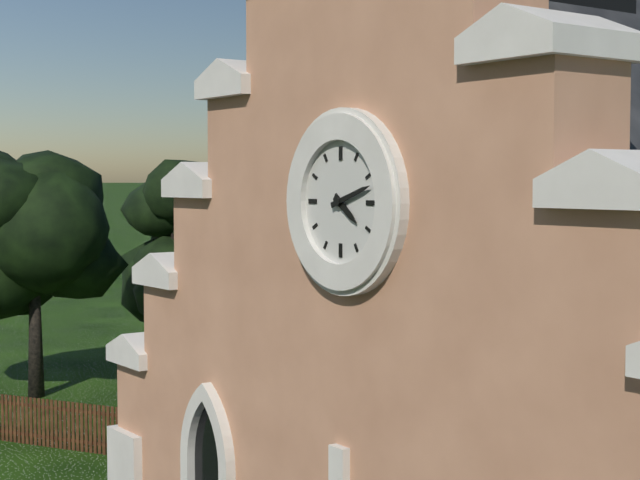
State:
4h12
